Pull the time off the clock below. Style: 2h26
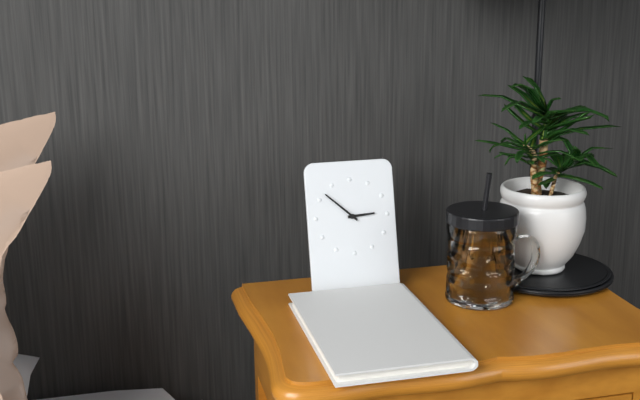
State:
2h52
